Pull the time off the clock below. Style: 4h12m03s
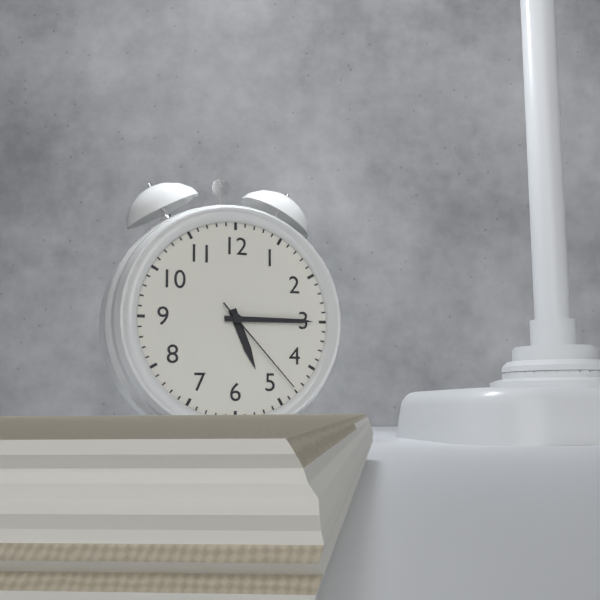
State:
5h15m23s
